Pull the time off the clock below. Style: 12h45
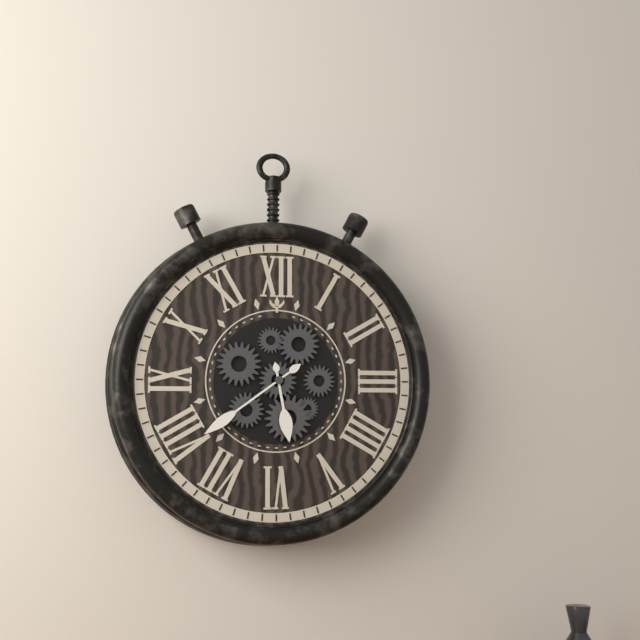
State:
5h39
